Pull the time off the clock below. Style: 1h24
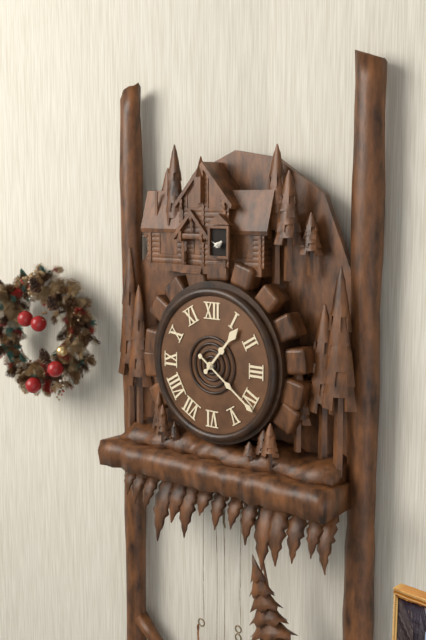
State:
1h21
